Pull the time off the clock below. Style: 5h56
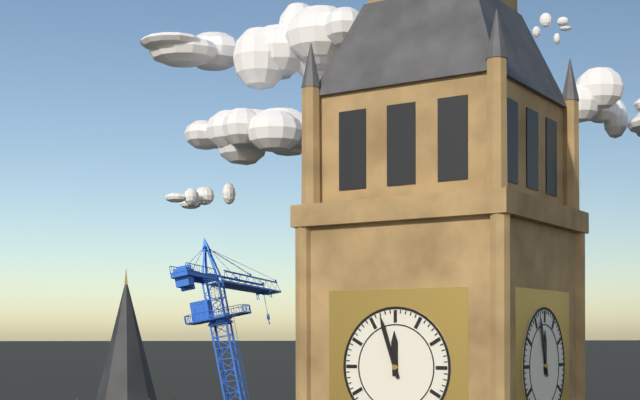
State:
11h57
